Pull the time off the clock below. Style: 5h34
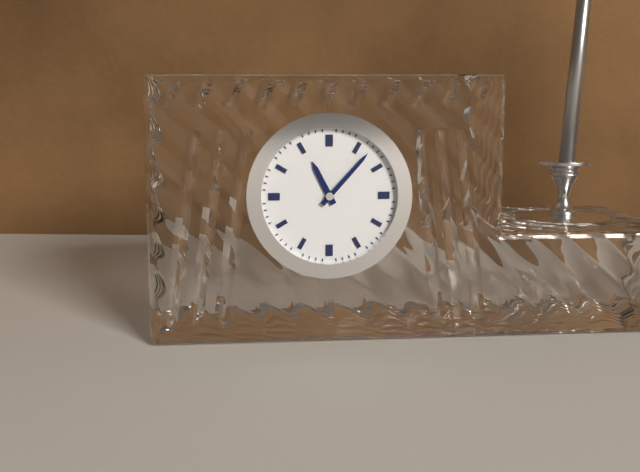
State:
11h07
